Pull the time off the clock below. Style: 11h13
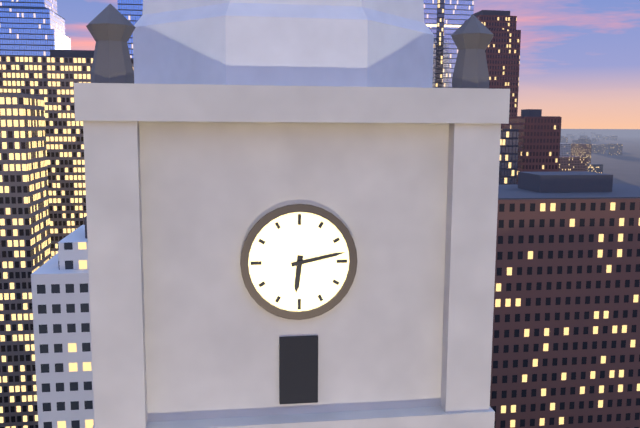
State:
6h13
